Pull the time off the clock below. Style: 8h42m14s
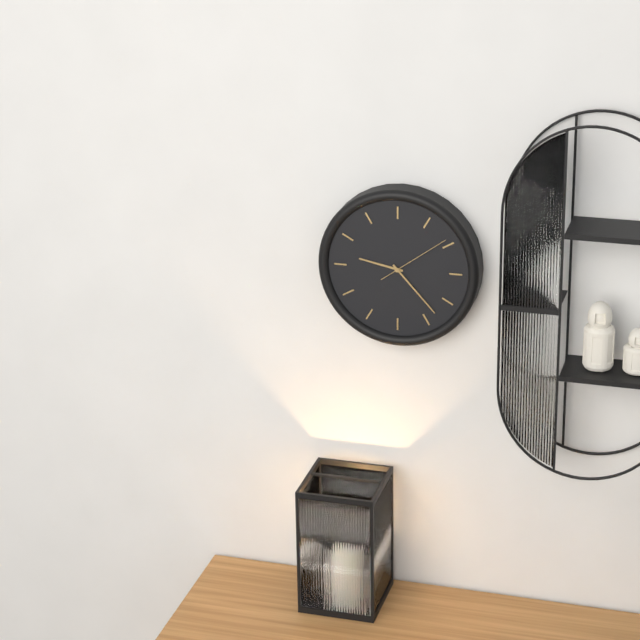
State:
9h23m09s
